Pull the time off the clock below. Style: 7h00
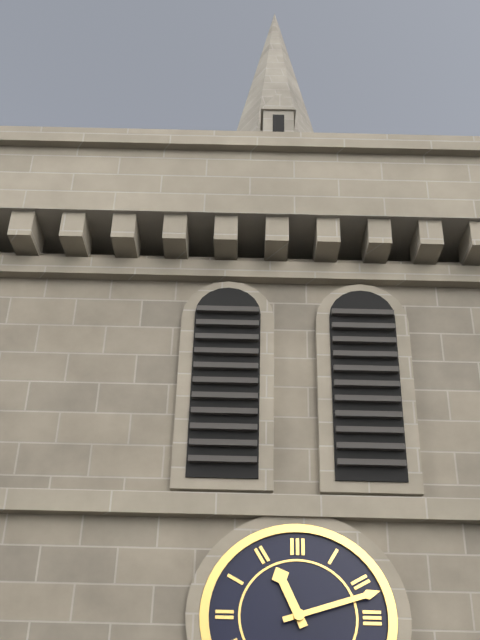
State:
11h12
